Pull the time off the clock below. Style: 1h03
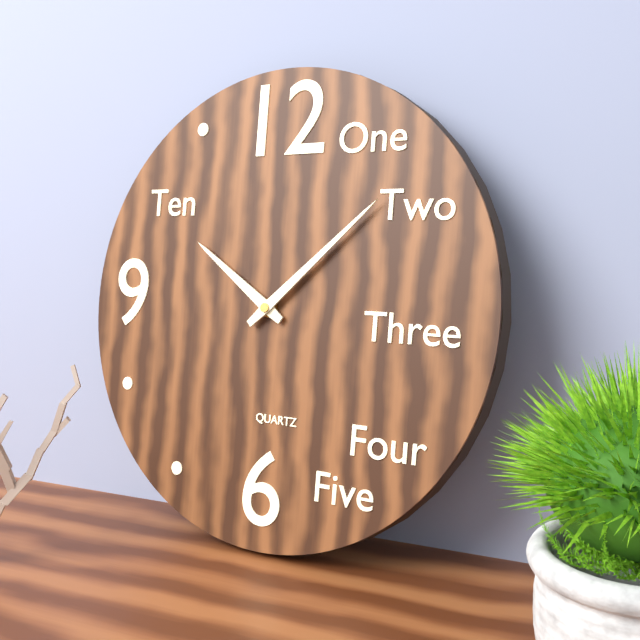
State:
10h08
